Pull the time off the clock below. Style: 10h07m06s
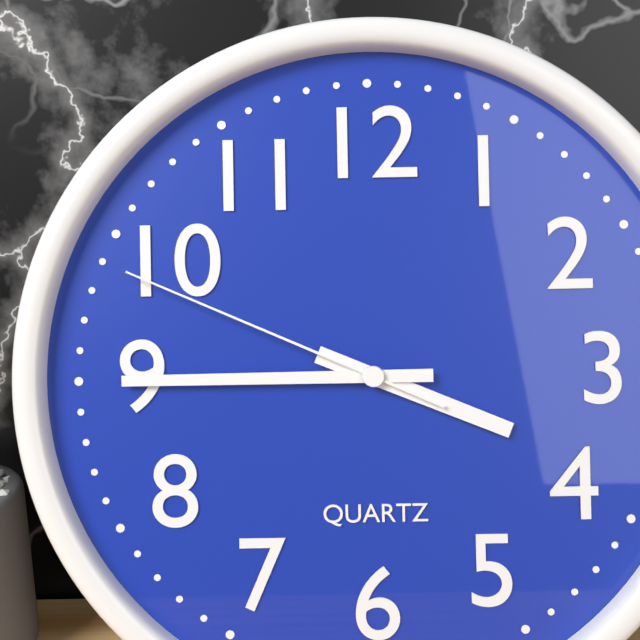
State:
3h45m49s
